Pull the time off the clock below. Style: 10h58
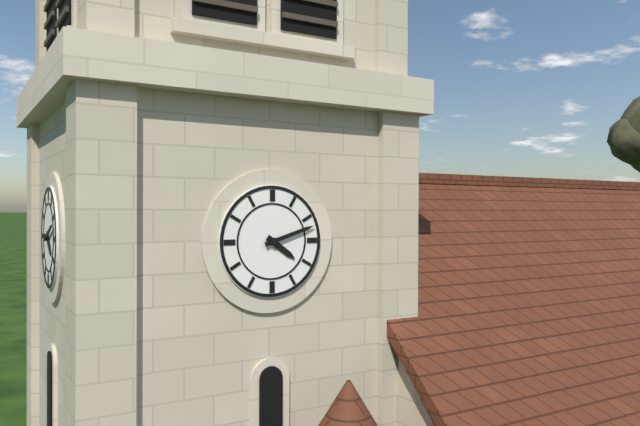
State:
4h12
